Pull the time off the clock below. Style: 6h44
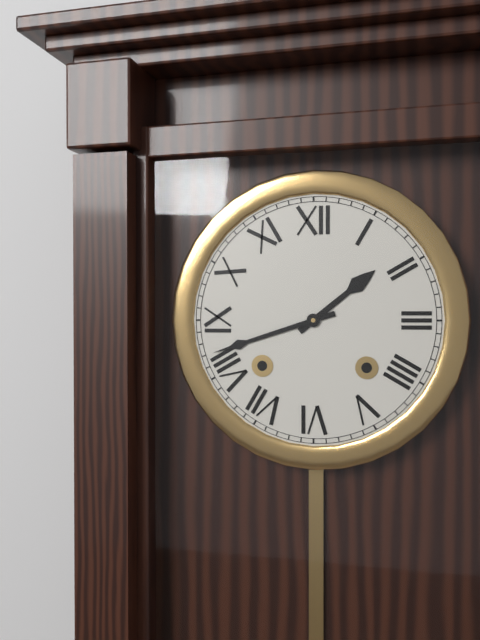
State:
1h42
